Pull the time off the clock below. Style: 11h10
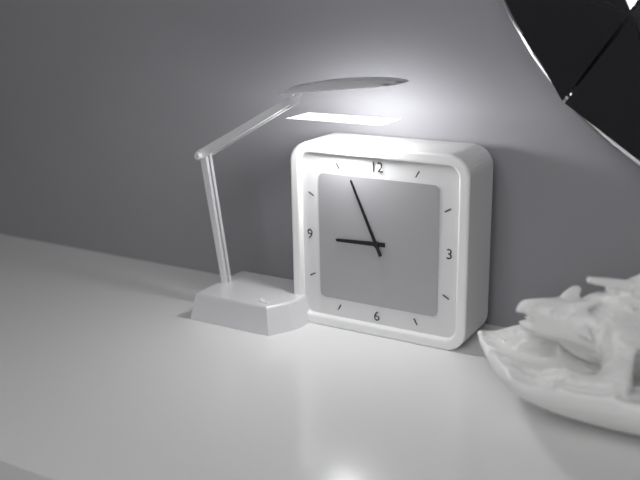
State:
8h56
